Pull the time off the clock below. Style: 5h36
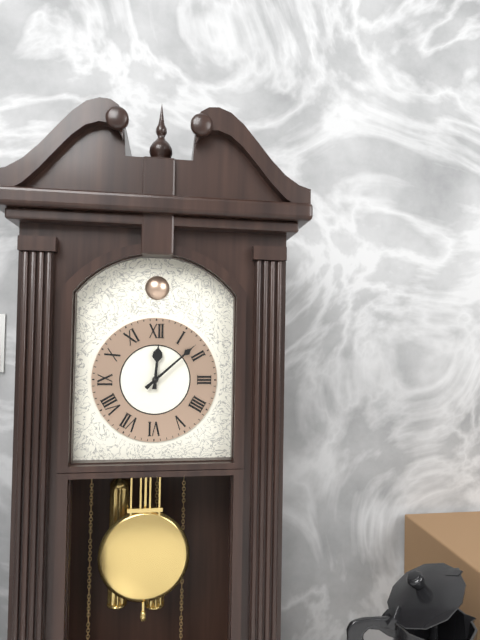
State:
12h08
